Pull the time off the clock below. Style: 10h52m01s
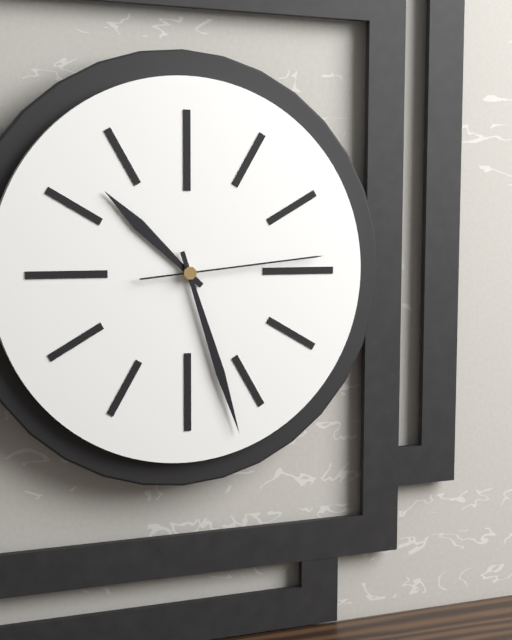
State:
10h27m14s
